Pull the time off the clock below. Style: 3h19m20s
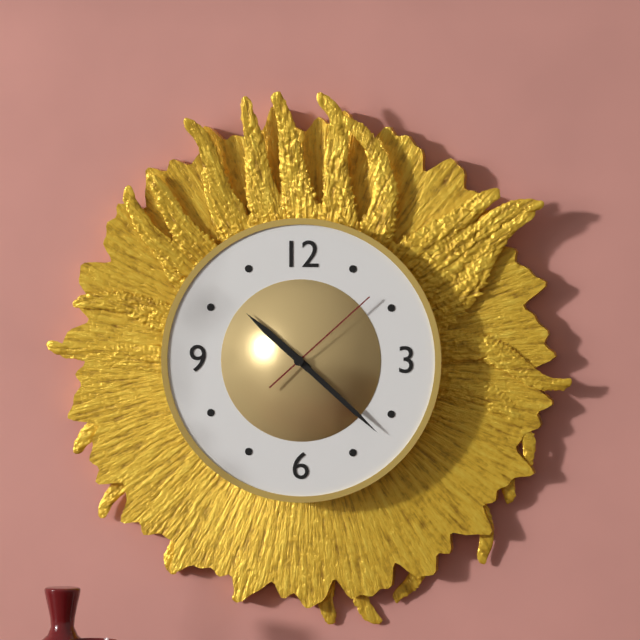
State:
10h22m08s
